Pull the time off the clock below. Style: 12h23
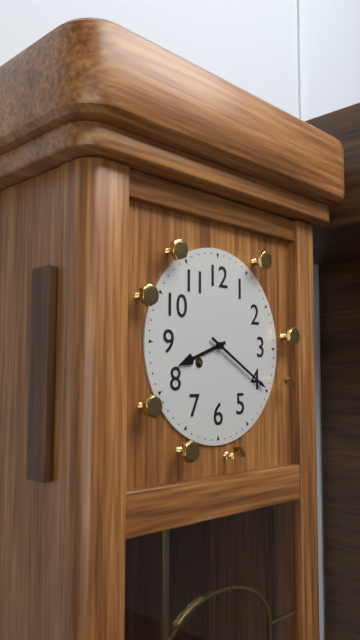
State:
8h20
